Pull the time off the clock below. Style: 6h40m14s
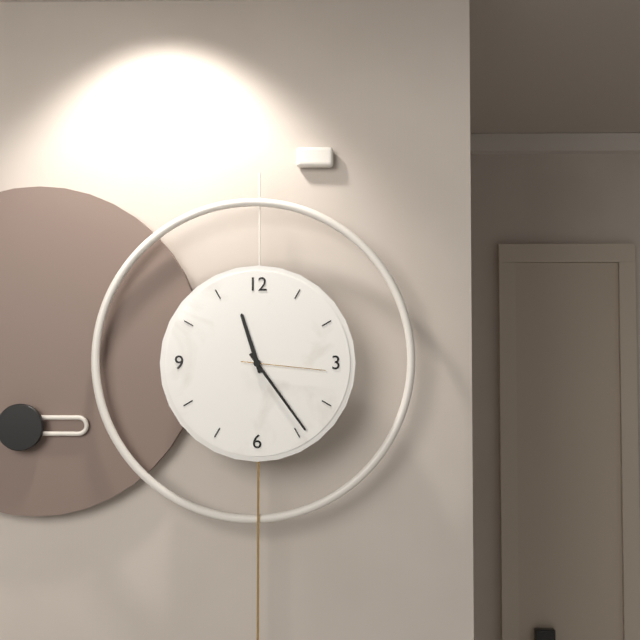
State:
11h24m16s
